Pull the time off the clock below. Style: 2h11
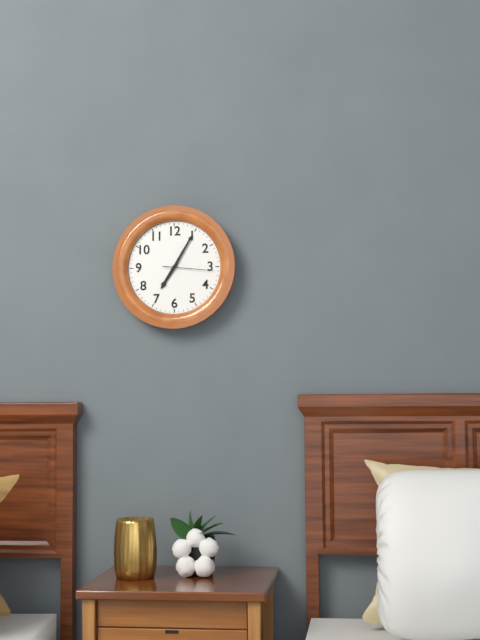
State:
7h05
